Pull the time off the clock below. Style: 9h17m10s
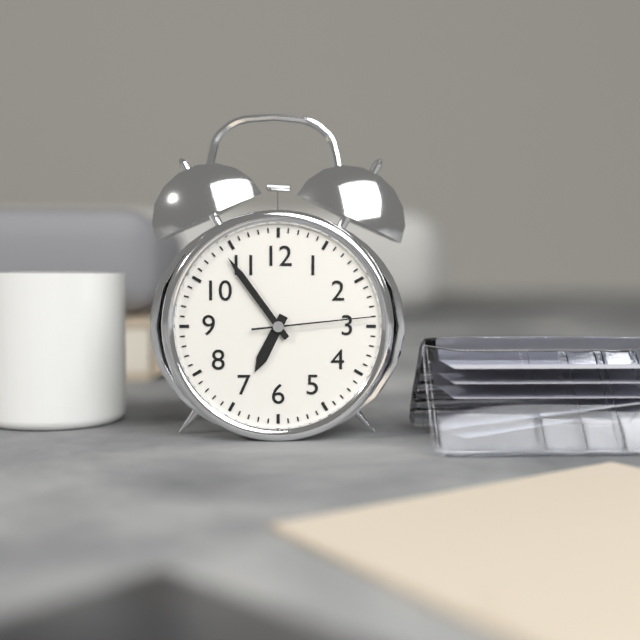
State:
6h54m14s
